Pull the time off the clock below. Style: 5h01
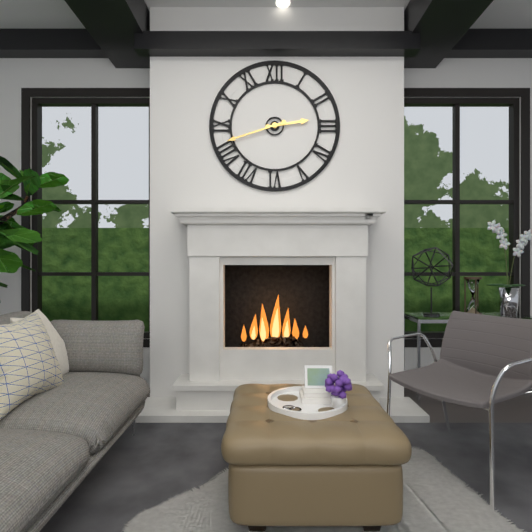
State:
2h42
